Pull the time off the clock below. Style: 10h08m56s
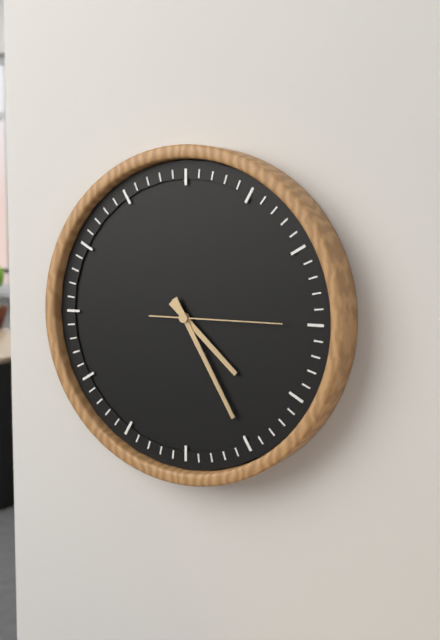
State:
4h25m15s
